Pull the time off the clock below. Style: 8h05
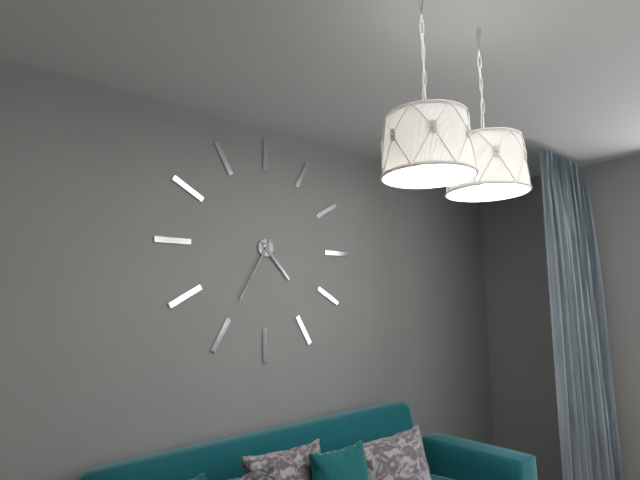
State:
4h35
